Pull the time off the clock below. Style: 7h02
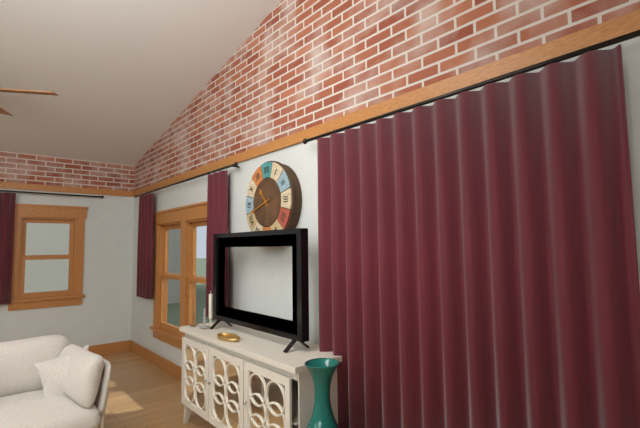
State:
10h42
